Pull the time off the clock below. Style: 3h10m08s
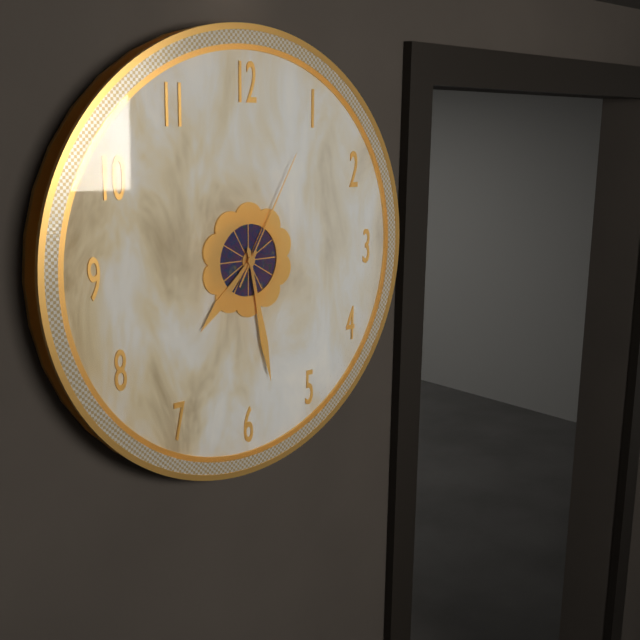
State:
7h28m05s
